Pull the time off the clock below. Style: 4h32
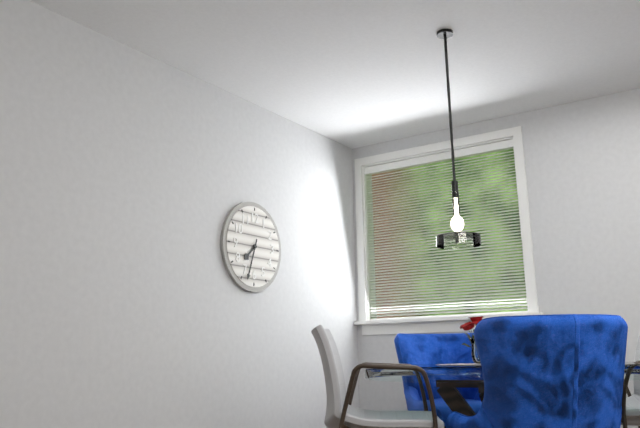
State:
7h33
